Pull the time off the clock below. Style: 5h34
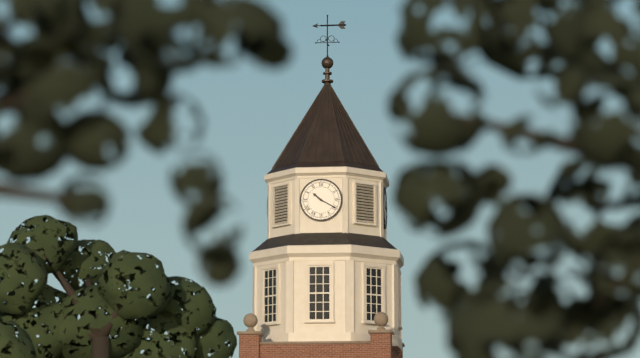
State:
10h20
